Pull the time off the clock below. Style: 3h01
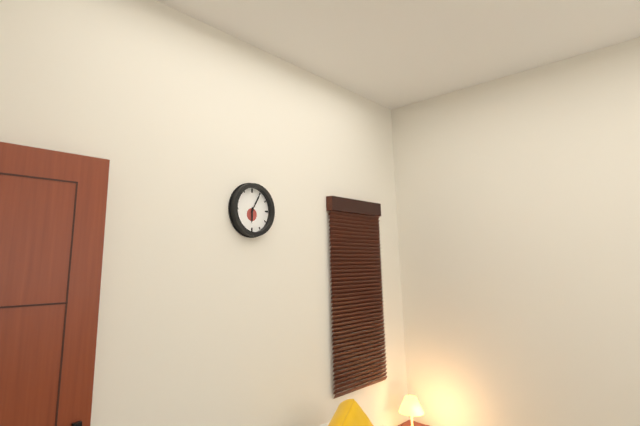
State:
6h05
